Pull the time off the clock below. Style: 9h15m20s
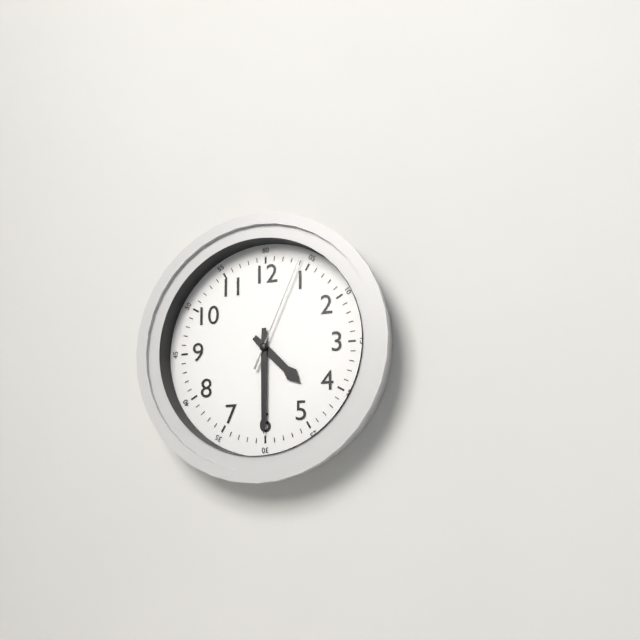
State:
4h30m04s
